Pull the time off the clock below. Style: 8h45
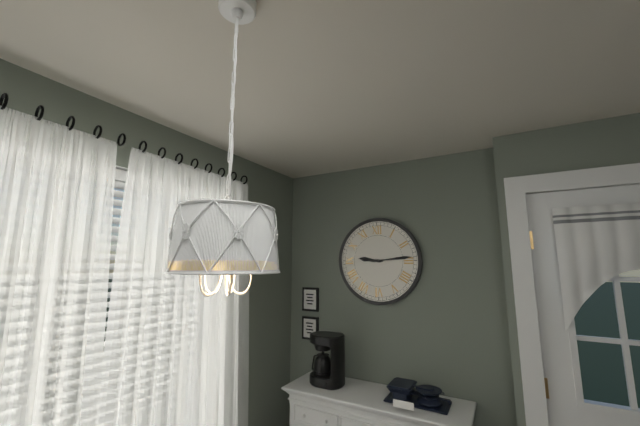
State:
9h14
